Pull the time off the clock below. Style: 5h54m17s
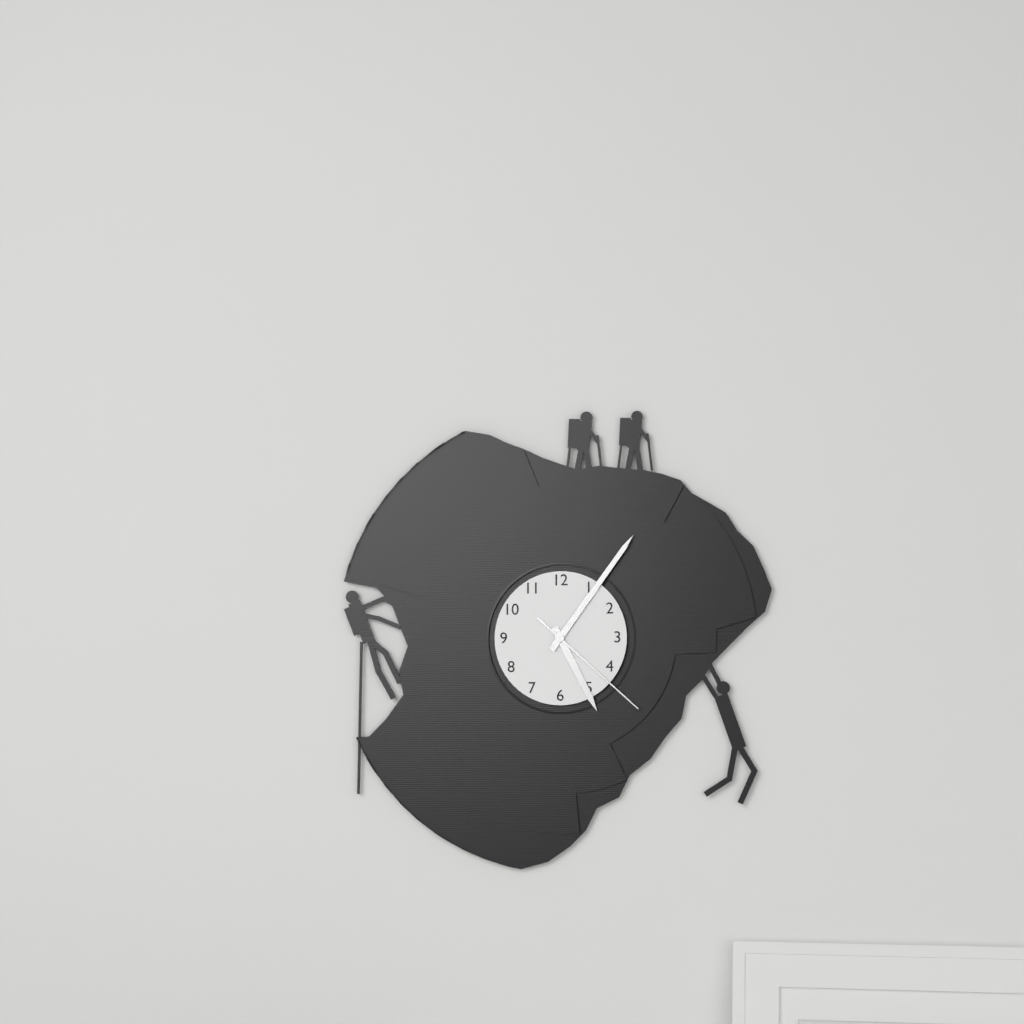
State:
5h06m22s
